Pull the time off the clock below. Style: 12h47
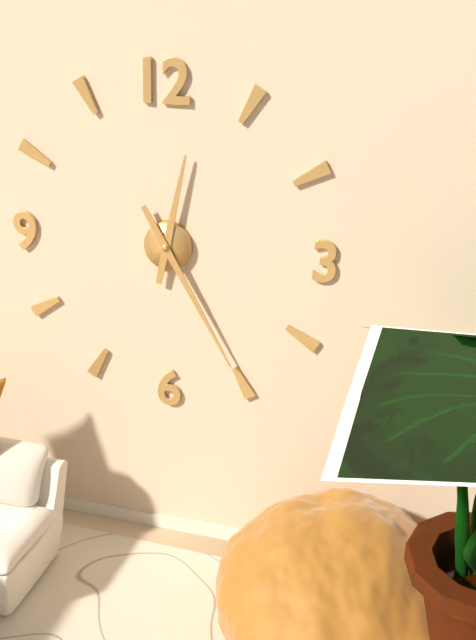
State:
12h25
